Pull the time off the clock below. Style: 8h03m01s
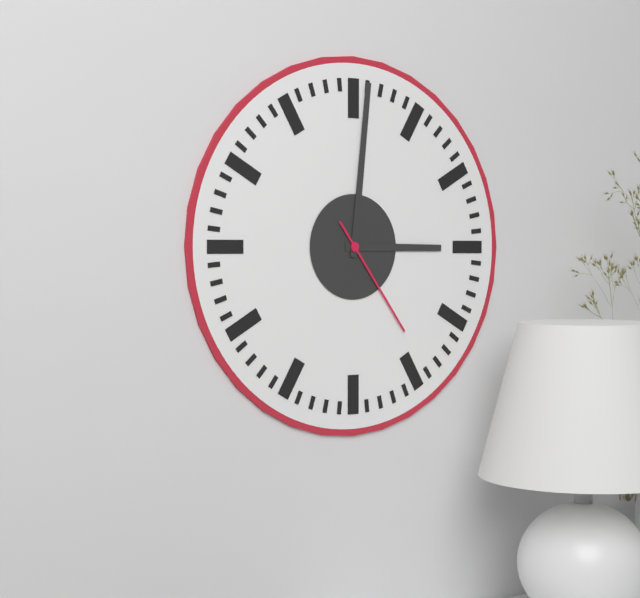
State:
3h01m24s
